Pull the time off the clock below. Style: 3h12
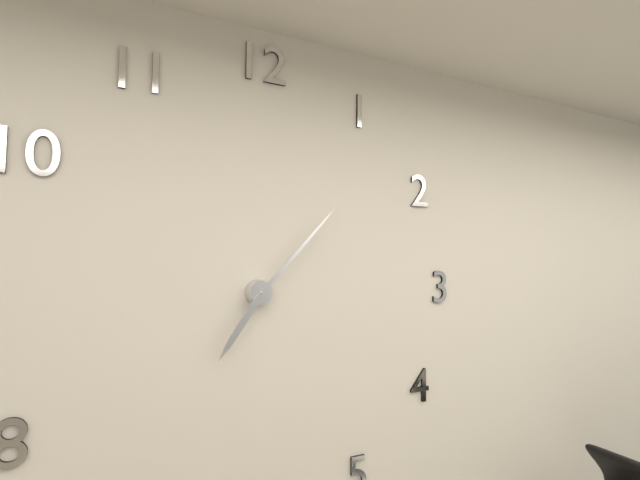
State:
7h07
